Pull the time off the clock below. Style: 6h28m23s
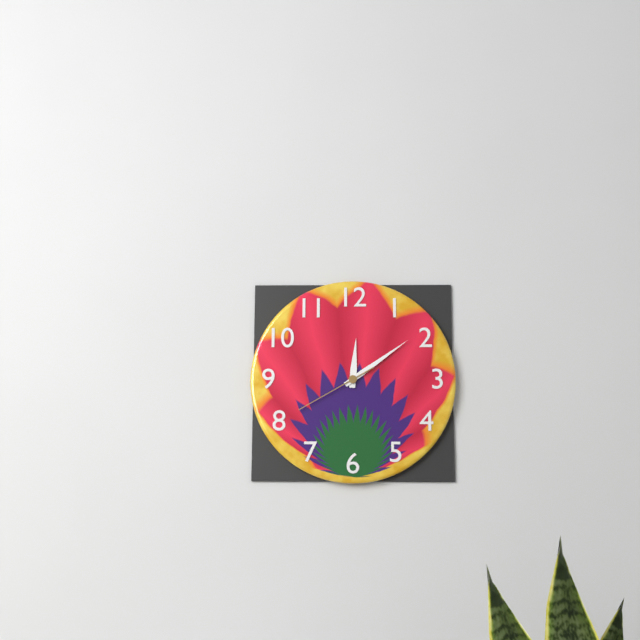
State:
12h09m40s
